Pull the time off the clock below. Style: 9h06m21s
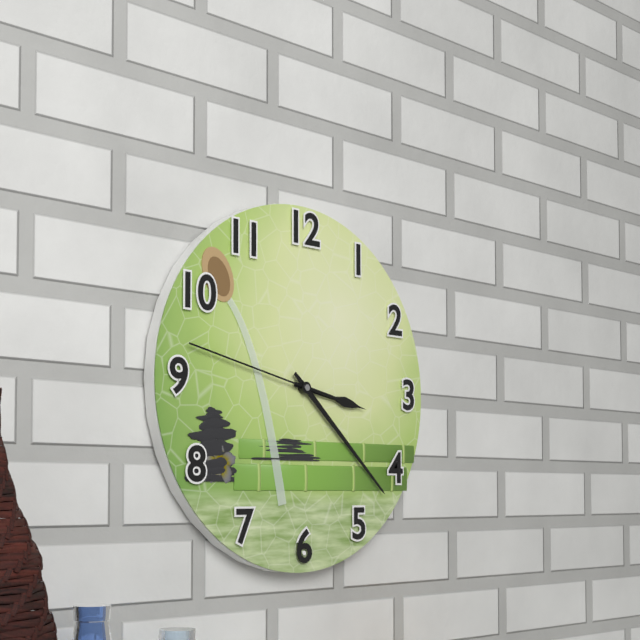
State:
3h22m47s
